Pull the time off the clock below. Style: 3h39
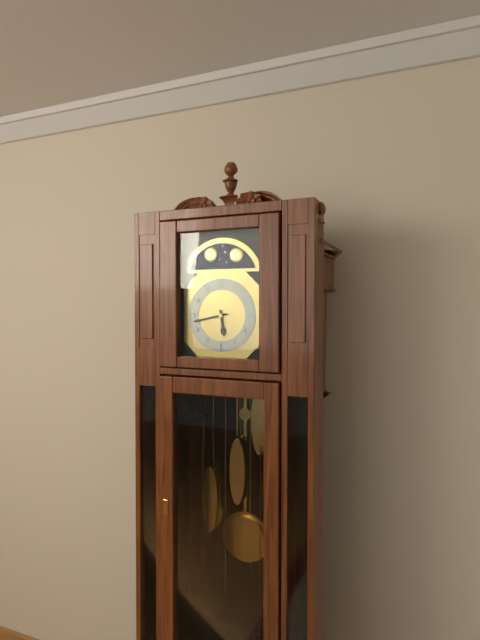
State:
5h43
